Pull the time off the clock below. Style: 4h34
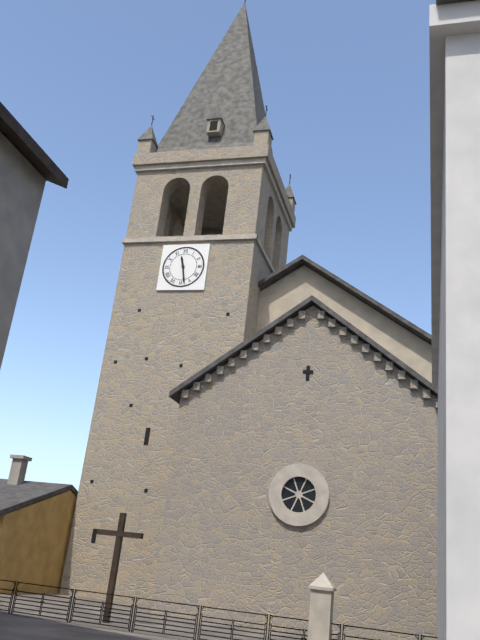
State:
11h28
